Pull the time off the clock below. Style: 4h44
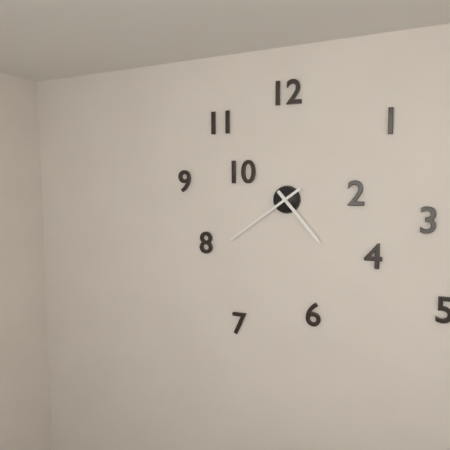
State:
4h39
